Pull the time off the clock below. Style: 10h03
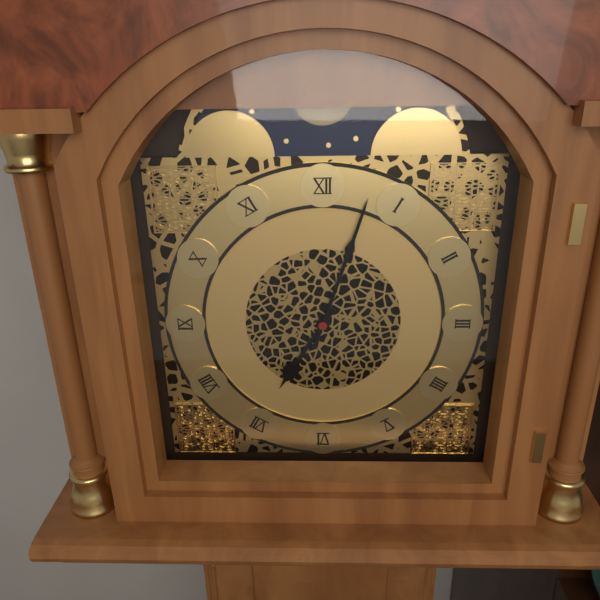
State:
7h03
